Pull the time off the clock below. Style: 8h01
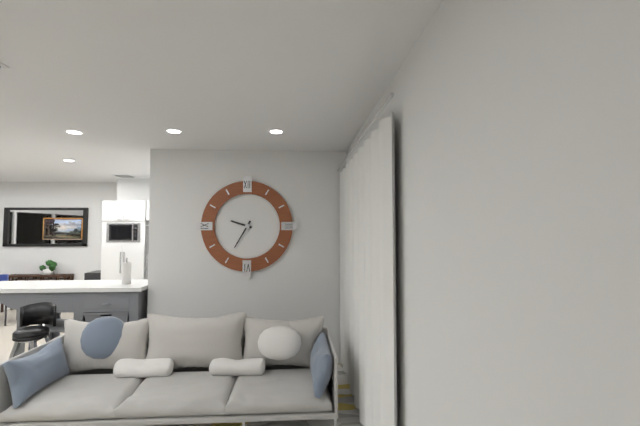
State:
9h35
